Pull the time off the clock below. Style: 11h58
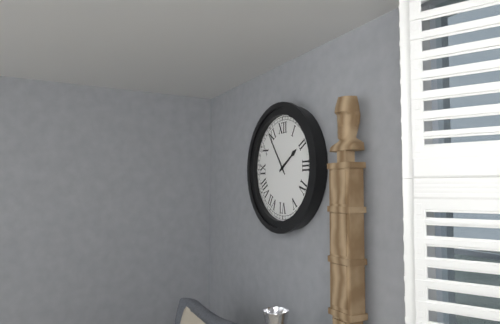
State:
1h54
